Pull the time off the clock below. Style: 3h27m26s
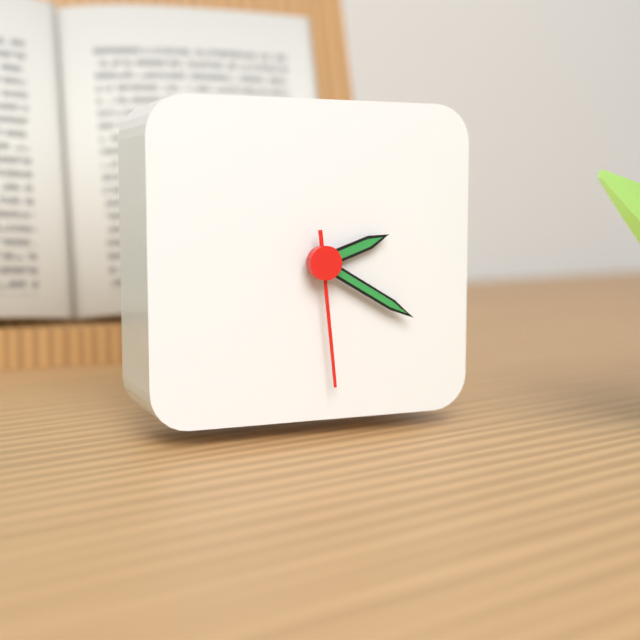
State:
2h20m29s
